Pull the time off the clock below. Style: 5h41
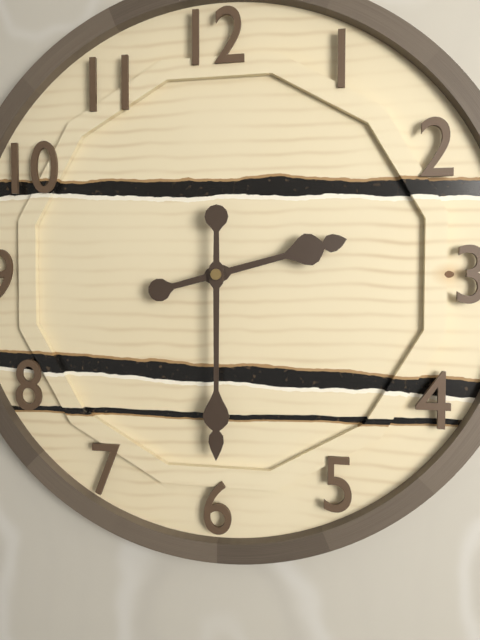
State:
2h30
